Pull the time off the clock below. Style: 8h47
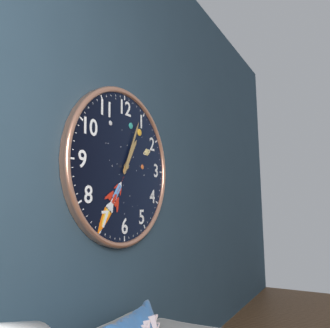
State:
1h04
